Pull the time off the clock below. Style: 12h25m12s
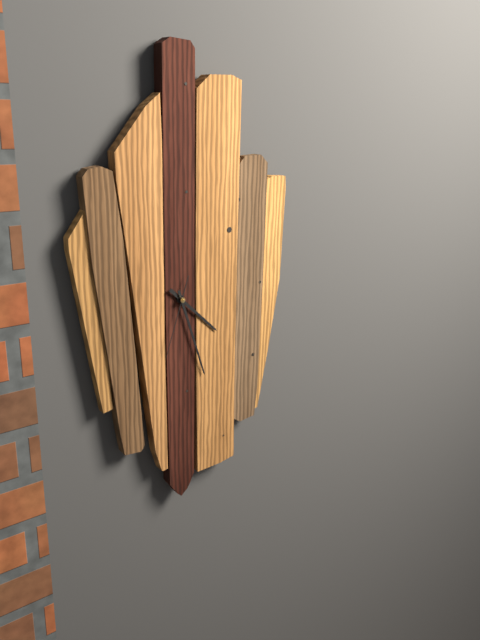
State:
4h27m33s
